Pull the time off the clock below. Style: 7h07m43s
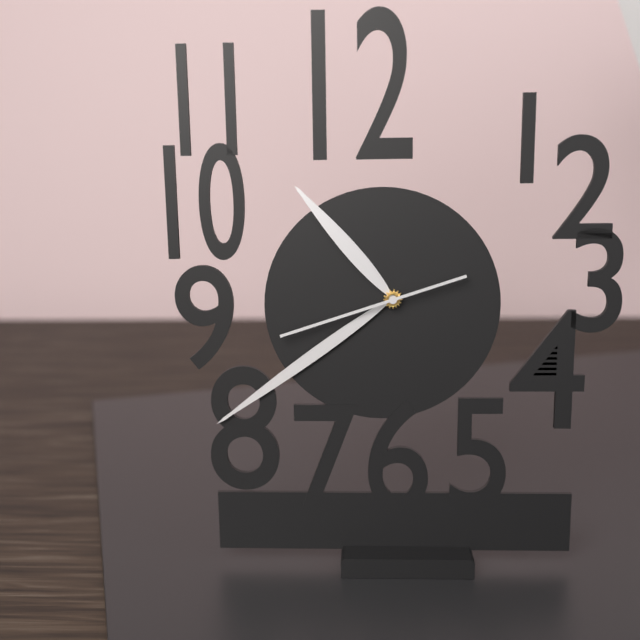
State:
10h39m42s
